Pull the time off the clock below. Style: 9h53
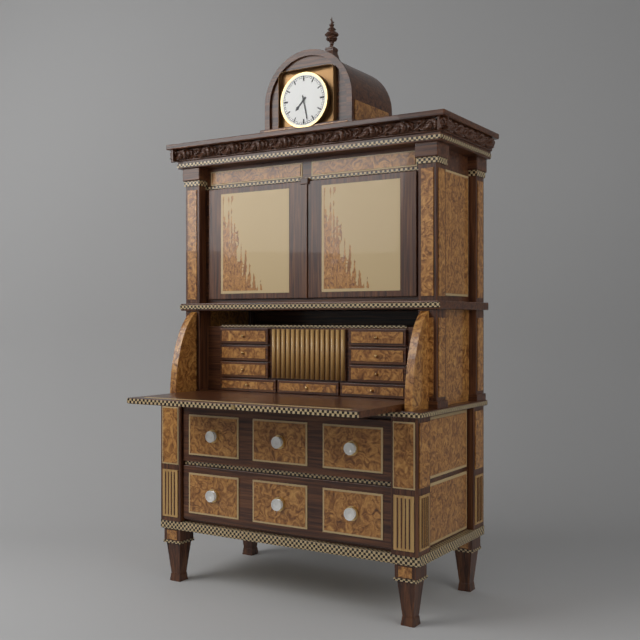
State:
7h28
